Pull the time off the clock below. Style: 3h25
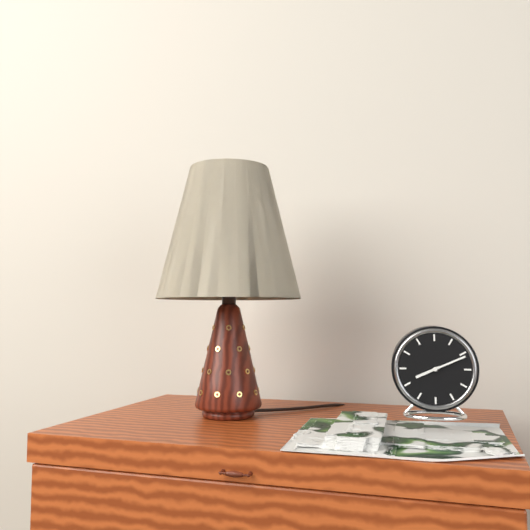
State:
8h11
